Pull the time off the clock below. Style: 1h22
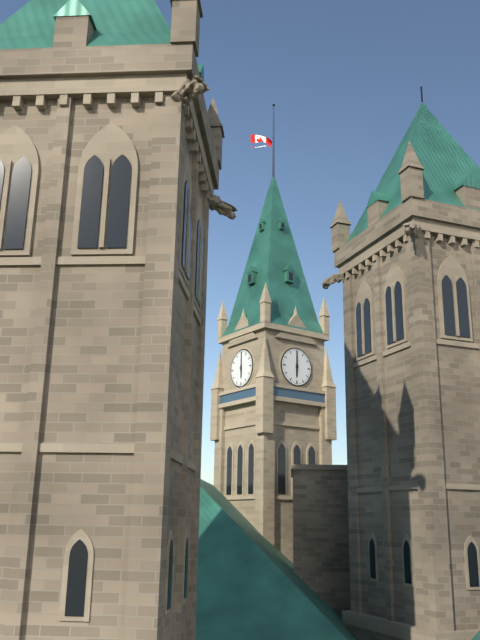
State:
6h00
